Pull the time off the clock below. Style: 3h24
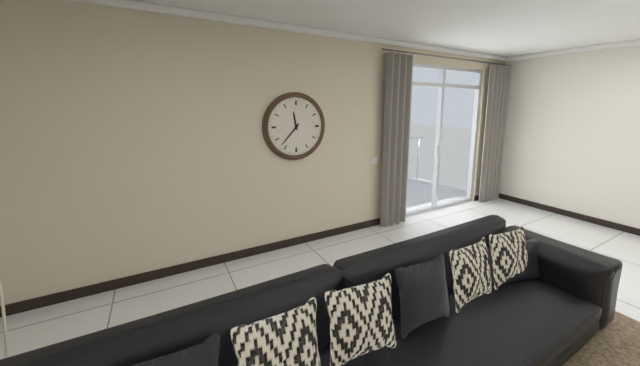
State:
11h37
